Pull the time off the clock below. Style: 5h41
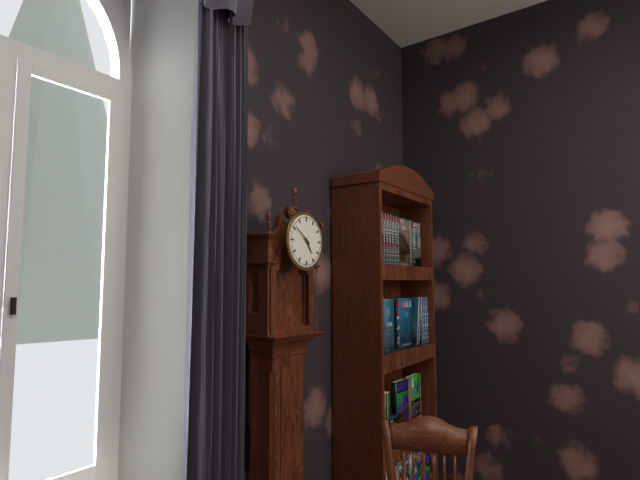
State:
4h51
